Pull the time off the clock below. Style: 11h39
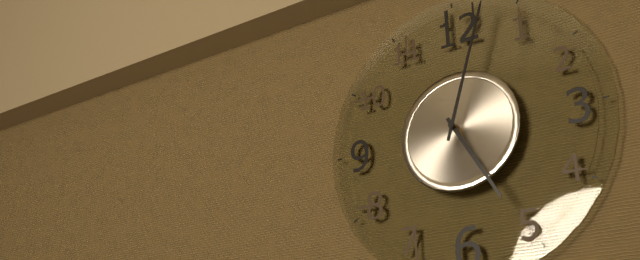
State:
5h03
